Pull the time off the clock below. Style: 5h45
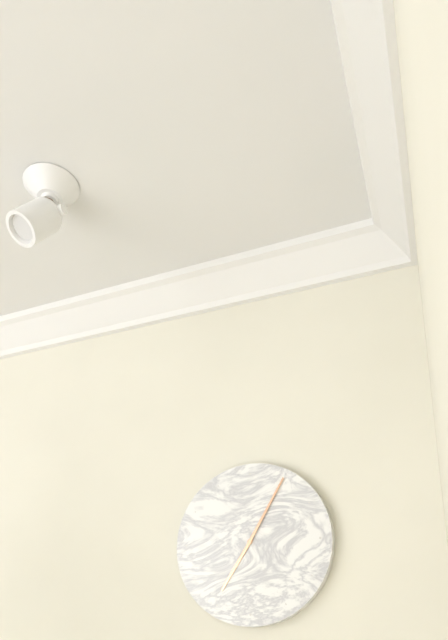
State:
7h05
